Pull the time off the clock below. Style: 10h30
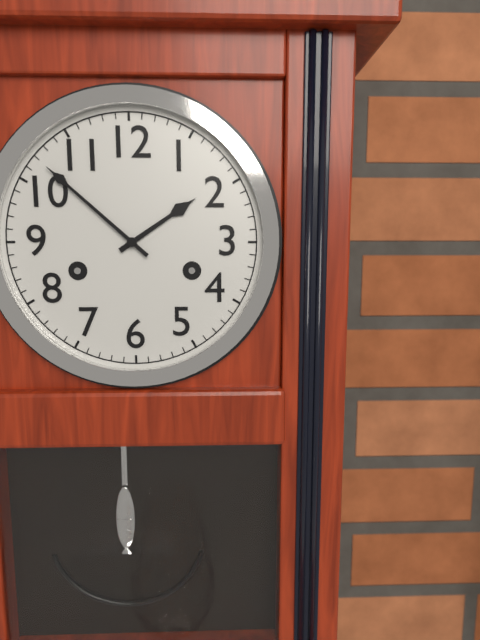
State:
1h52
